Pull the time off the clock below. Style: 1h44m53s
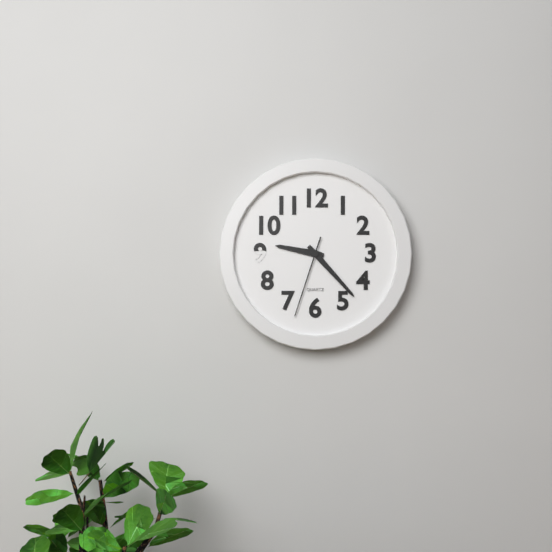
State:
9h23m33s
